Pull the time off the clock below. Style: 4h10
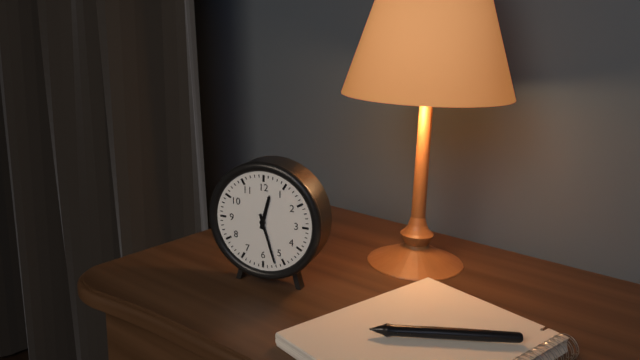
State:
12h27
